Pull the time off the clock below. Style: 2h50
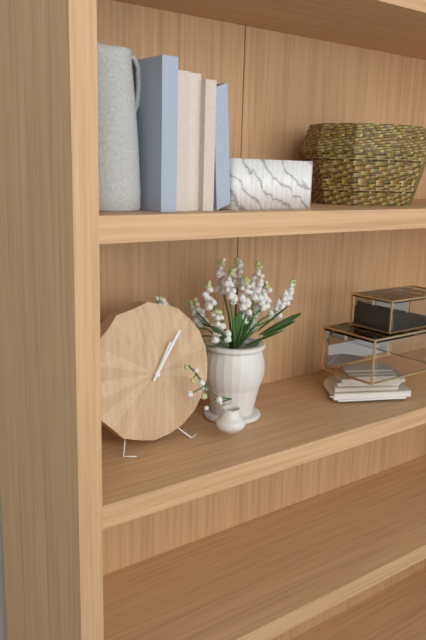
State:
1h06
